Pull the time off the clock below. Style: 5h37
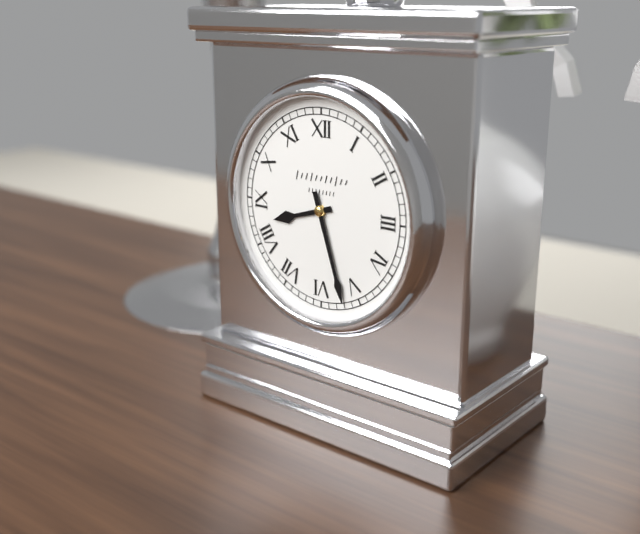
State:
8h27
